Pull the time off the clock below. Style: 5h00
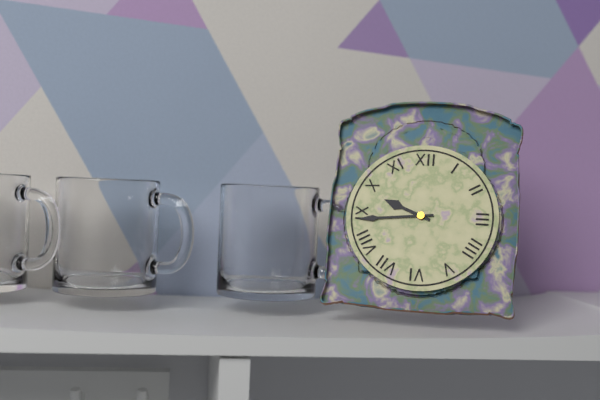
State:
9h44
